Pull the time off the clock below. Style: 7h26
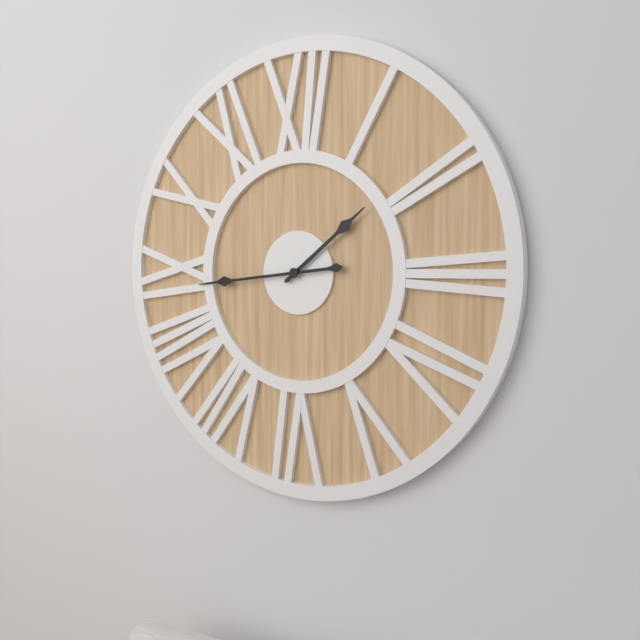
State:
1h44
